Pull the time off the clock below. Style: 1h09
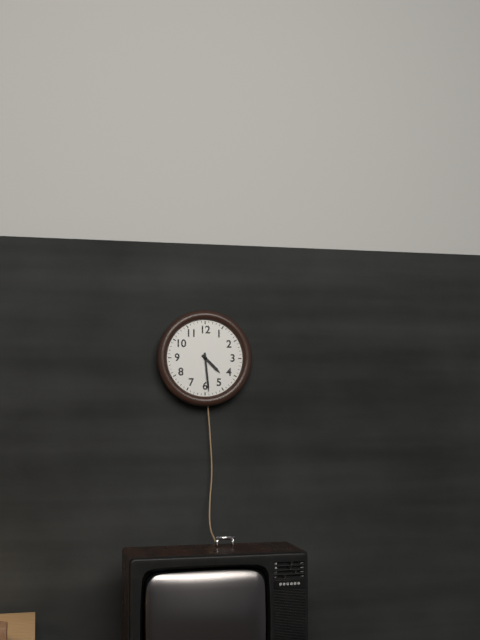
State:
4h29
